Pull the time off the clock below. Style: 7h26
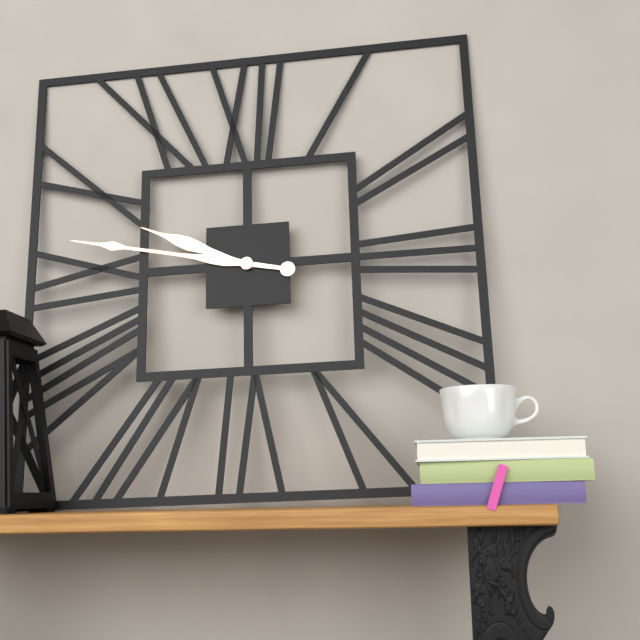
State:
9h47
